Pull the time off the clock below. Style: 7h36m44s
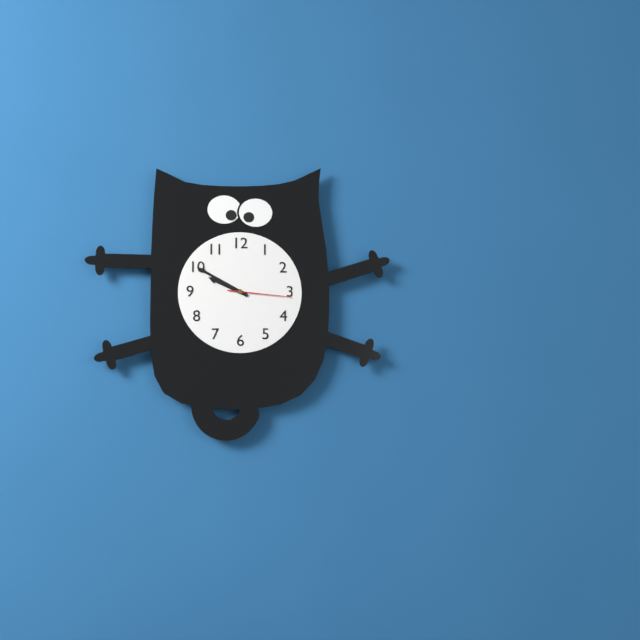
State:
9h50m16s
